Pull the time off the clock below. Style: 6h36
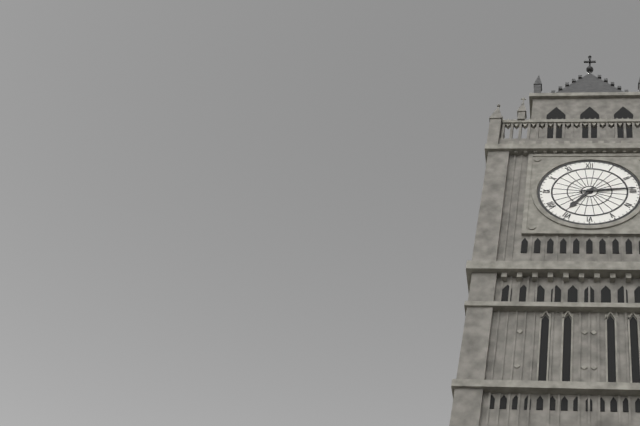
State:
7h14
